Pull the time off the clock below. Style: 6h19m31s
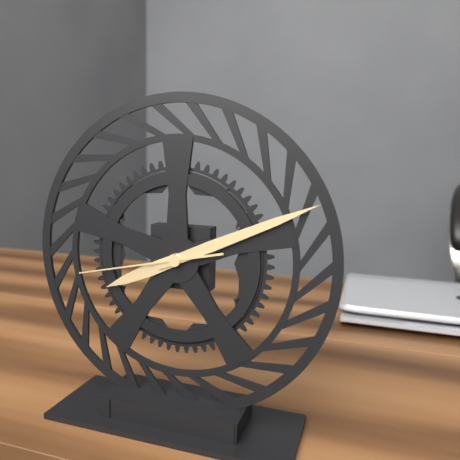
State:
8h11m43s
